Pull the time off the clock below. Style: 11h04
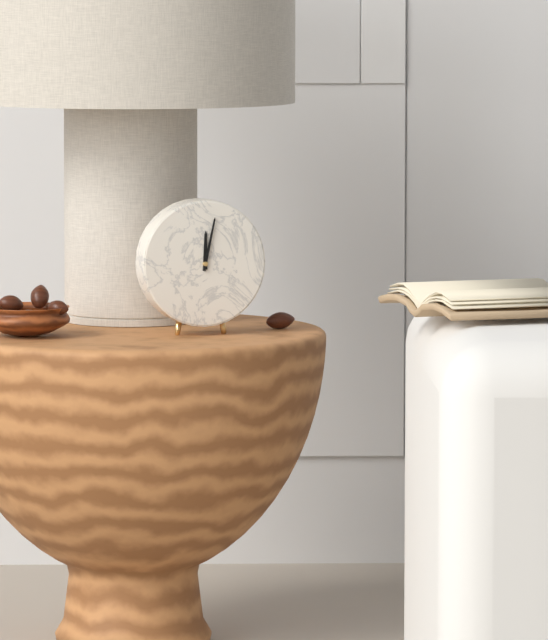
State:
12h02
